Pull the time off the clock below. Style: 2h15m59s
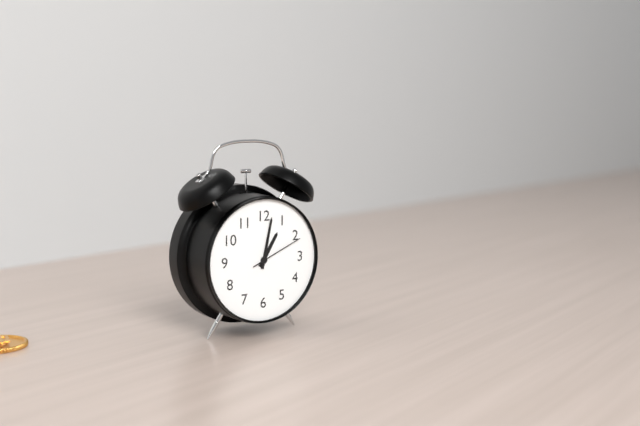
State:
1h02m11s
